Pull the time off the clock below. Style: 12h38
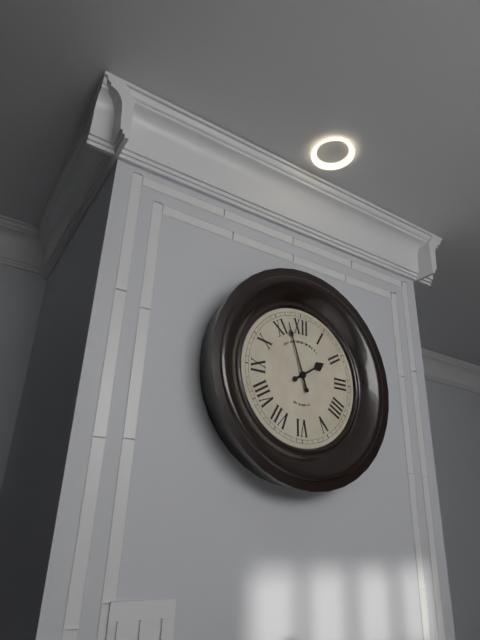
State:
1h57
